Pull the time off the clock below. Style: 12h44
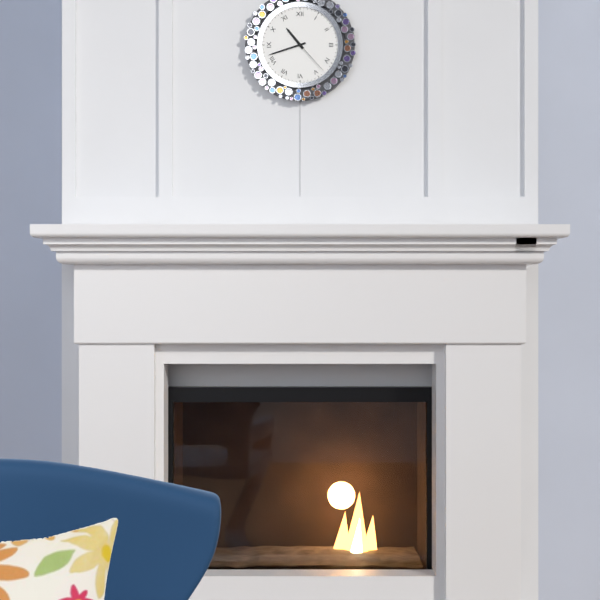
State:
10h42
